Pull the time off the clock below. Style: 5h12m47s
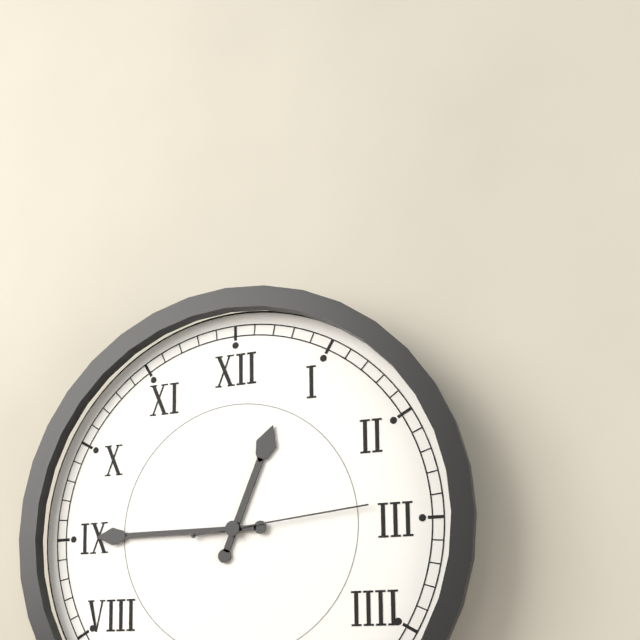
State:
12h45m14s
